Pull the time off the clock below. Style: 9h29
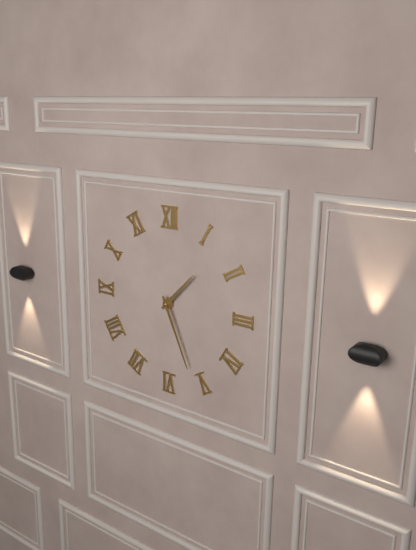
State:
1h26
